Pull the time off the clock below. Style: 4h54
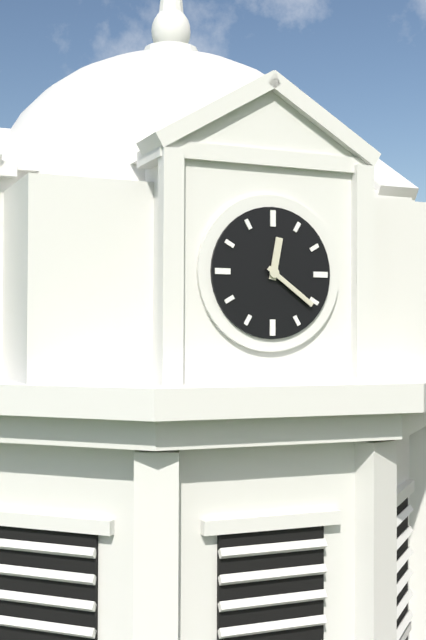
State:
12h21
